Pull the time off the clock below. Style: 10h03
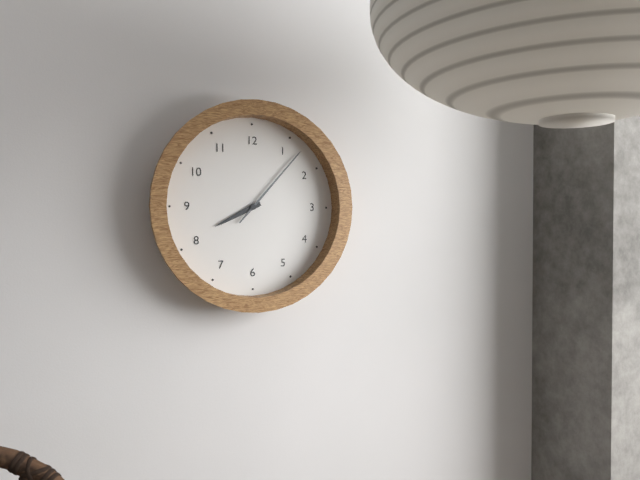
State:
8h07
